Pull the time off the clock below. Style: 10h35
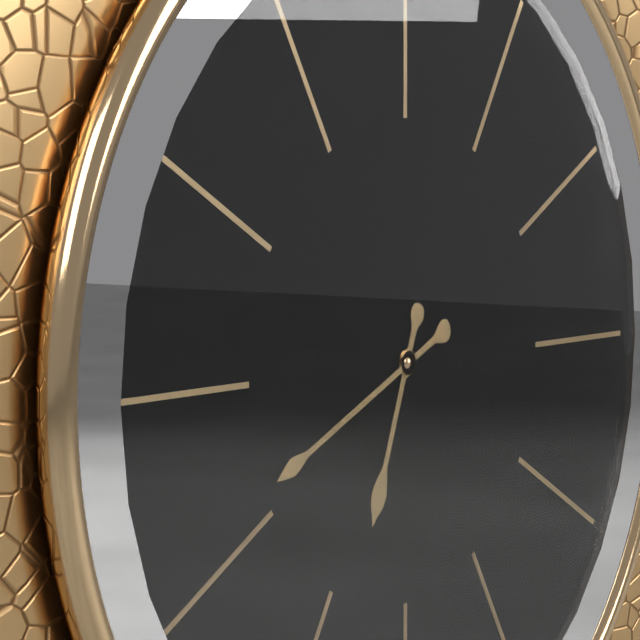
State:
6h41
